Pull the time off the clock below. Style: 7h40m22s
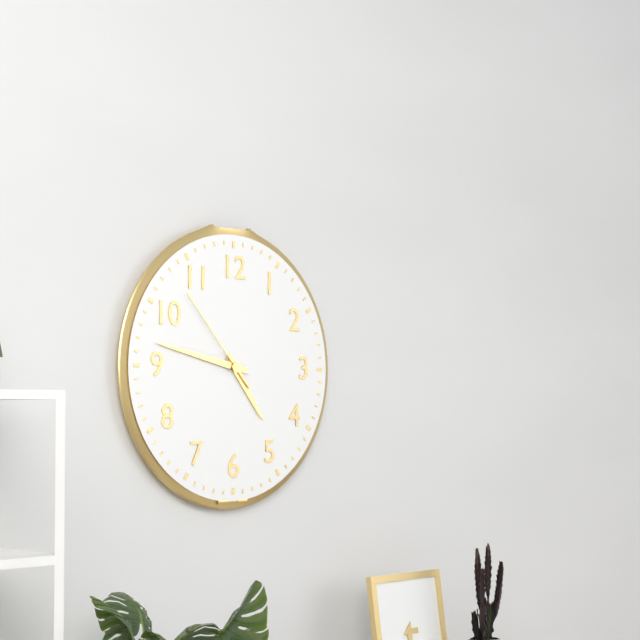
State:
4h47m53s
